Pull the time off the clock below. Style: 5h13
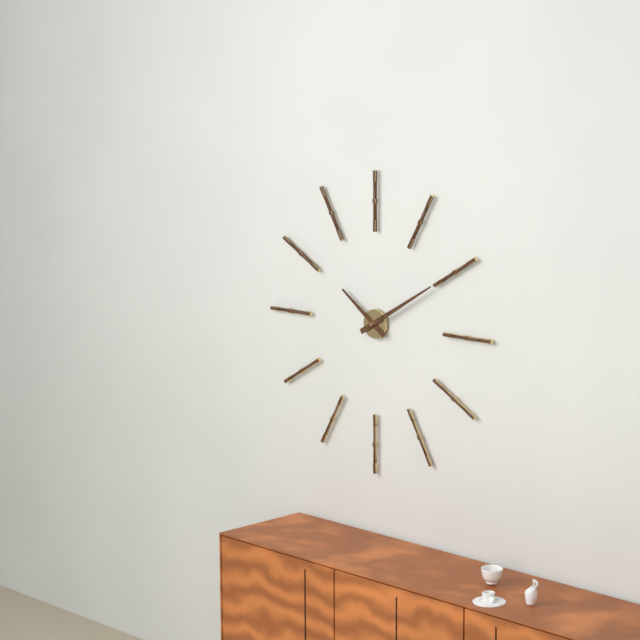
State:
10h10
